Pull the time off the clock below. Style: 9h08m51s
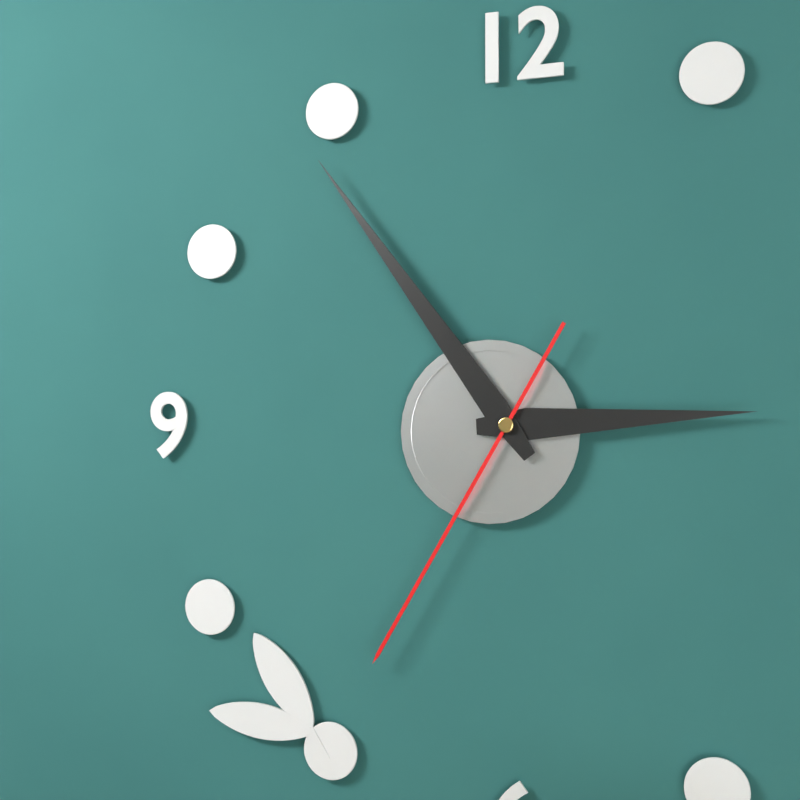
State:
2h54m35s
